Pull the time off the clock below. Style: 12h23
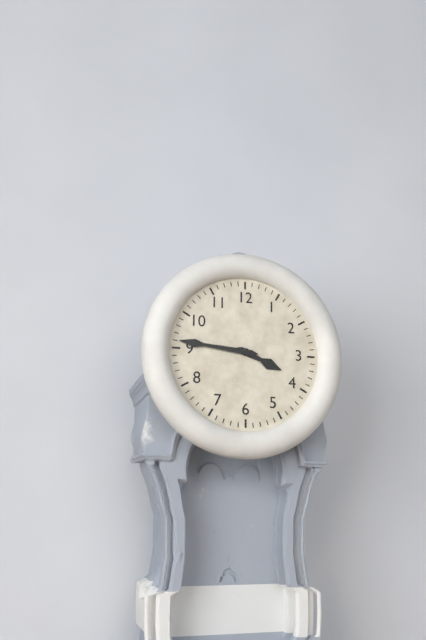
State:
3h46
